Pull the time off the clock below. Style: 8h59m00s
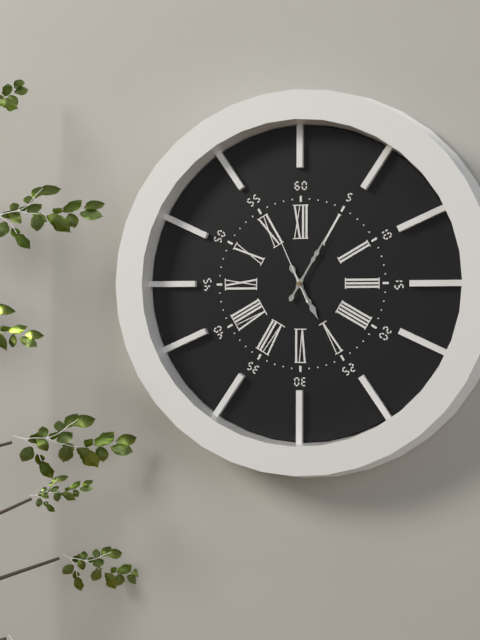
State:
5h05m56s
